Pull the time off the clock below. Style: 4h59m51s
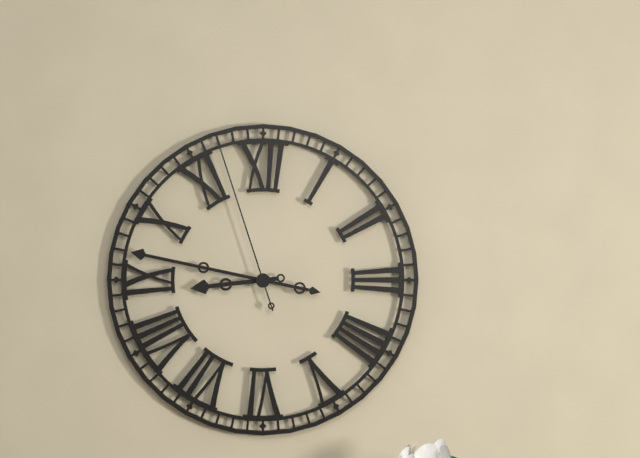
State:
8h47m57s
